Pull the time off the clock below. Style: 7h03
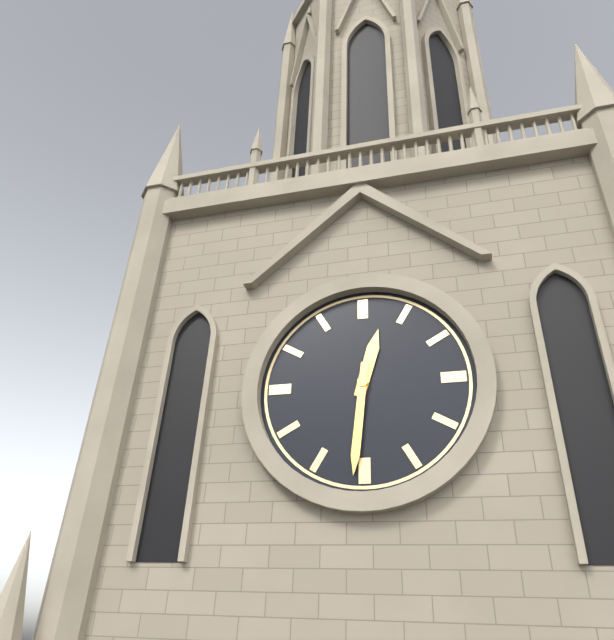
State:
12h31
